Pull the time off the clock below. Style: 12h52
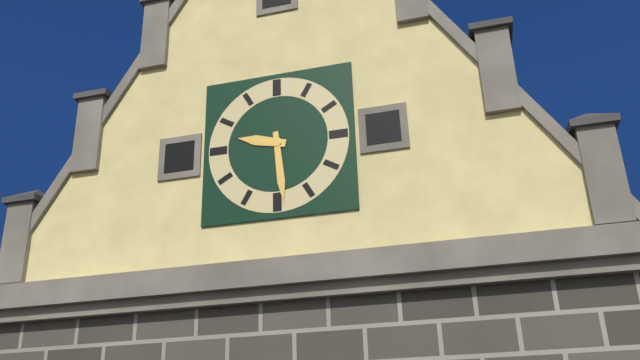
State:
9h29
